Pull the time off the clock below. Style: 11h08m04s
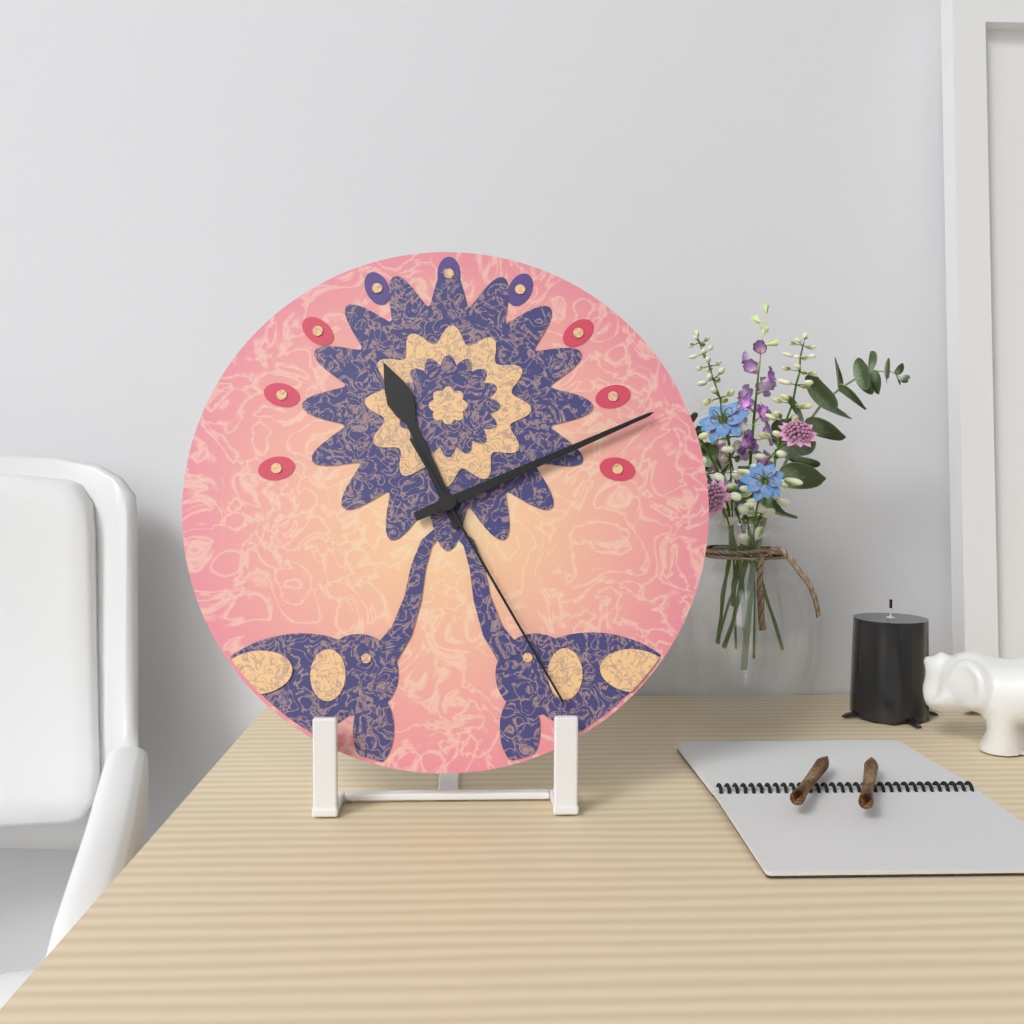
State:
11h11m25s
